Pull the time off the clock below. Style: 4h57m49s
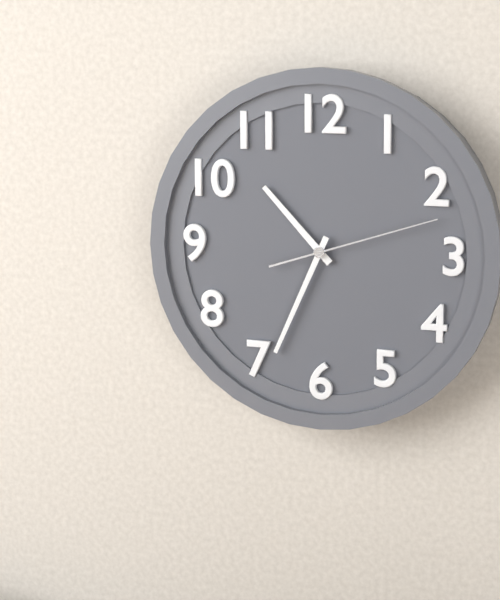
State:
10h34m12s
